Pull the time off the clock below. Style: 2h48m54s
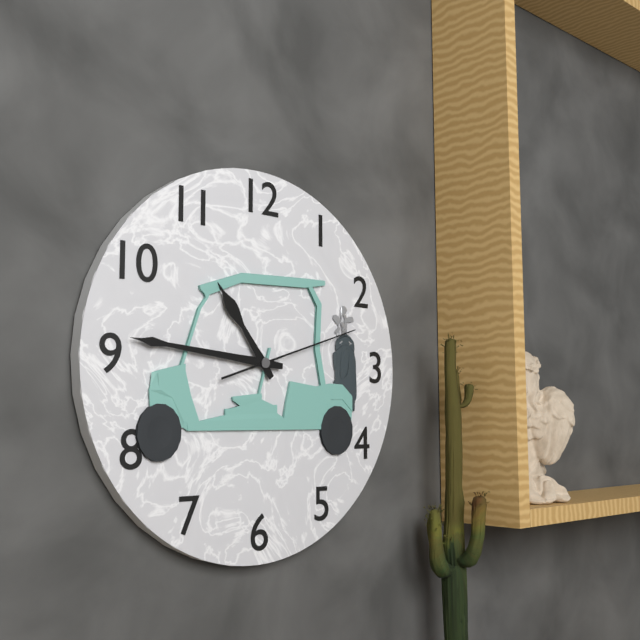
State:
10h46m12s
